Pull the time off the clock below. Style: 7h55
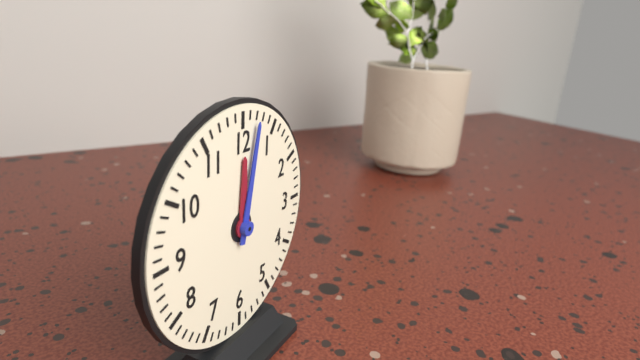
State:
12h02
